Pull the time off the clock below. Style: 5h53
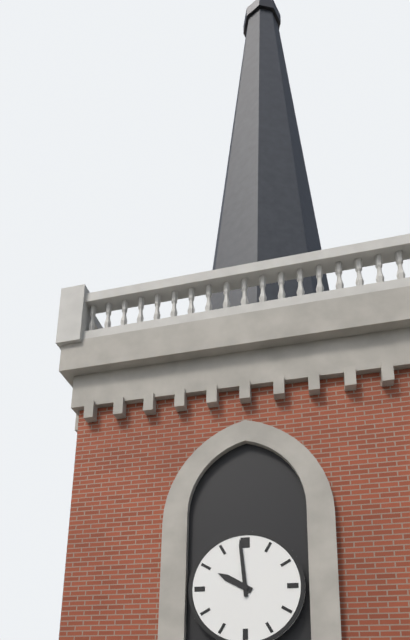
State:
9h59
